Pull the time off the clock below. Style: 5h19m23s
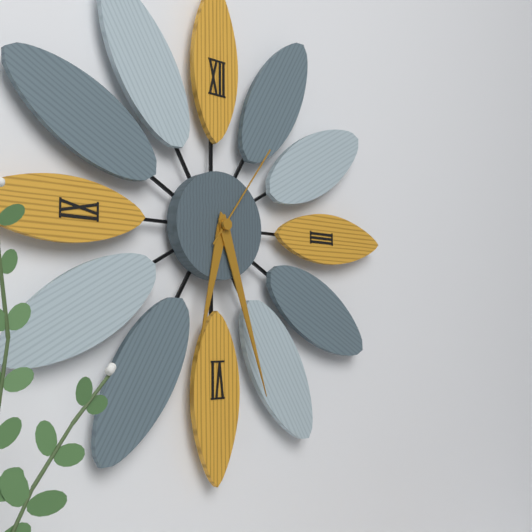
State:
6h27m06s
